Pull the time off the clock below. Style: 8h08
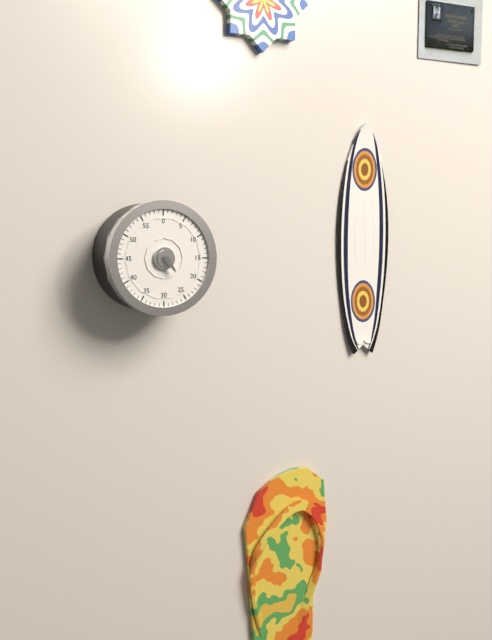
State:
5h24
